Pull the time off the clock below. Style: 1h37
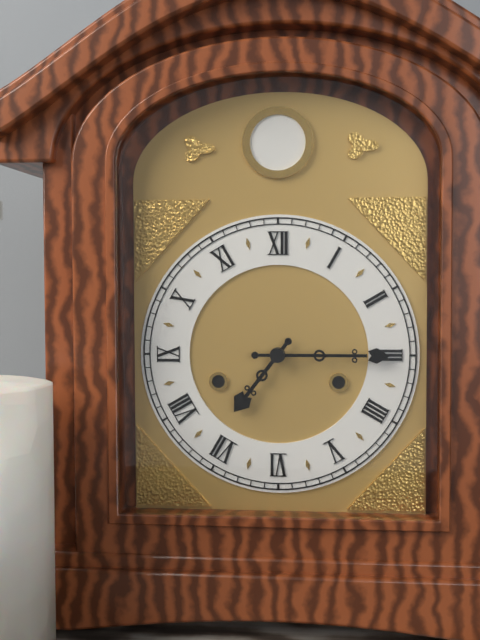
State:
7h15
